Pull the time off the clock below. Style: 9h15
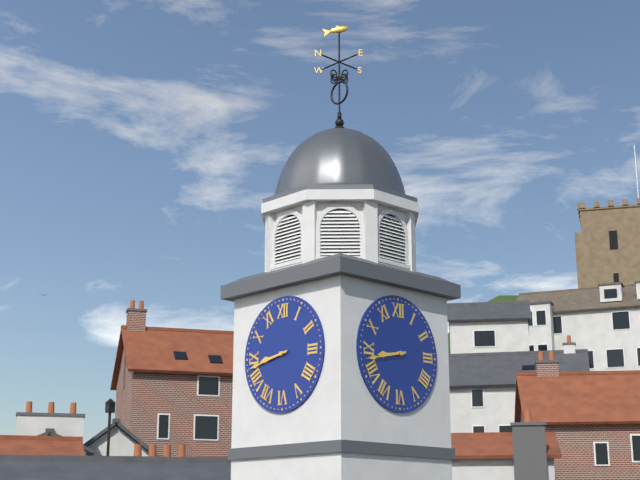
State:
8h43
